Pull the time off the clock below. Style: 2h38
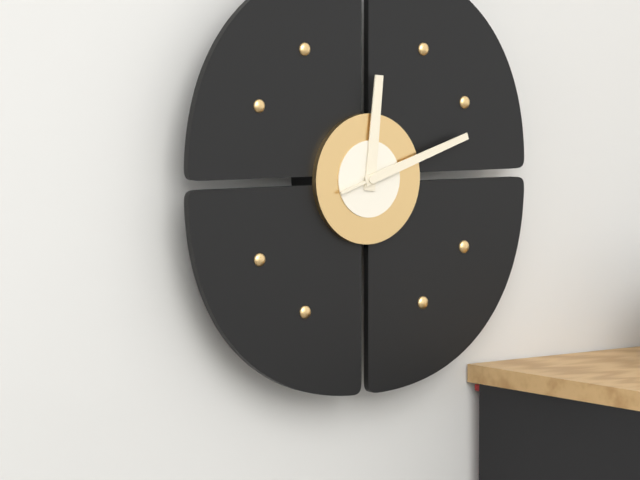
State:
12h12
